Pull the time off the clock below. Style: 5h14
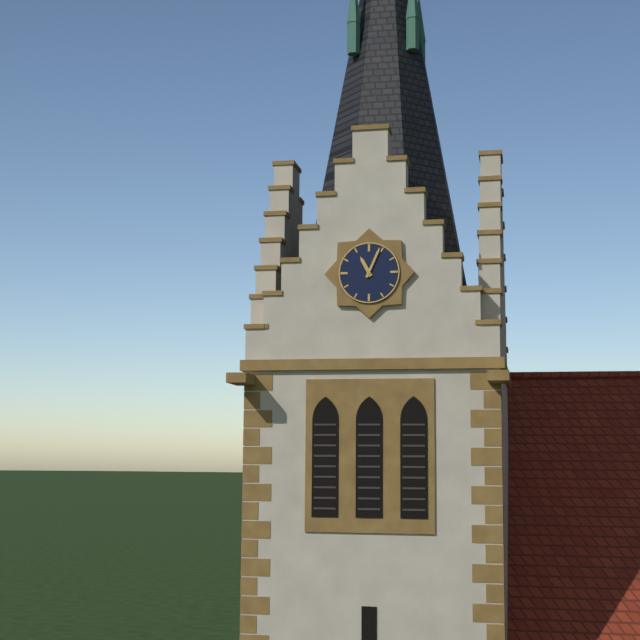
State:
11h04
